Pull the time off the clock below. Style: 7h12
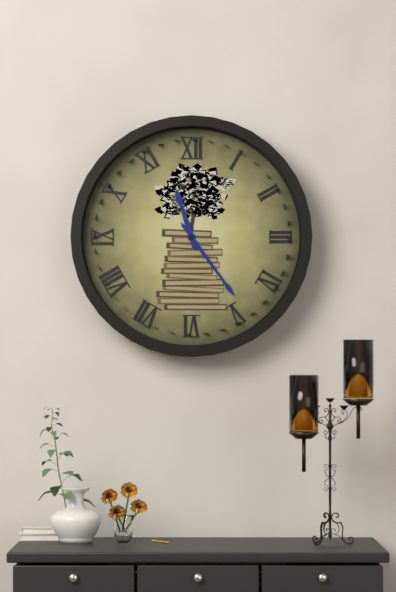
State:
11h24
